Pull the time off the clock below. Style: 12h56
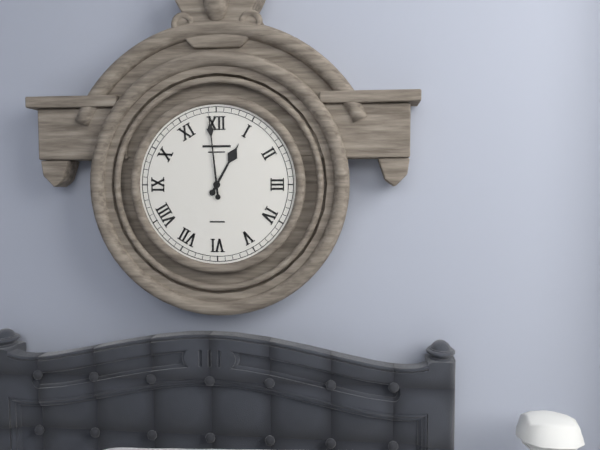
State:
12h59
